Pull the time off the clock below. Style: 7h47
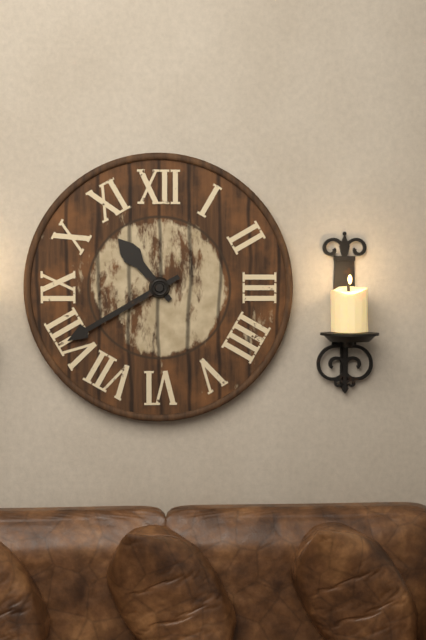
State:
10h40
